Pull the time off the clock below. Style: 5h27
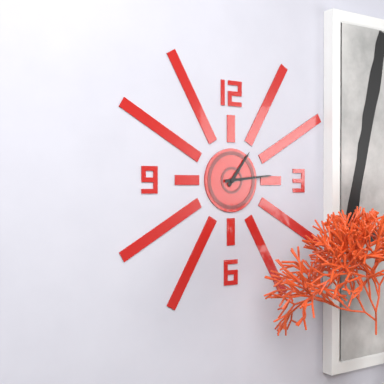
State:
1h14
